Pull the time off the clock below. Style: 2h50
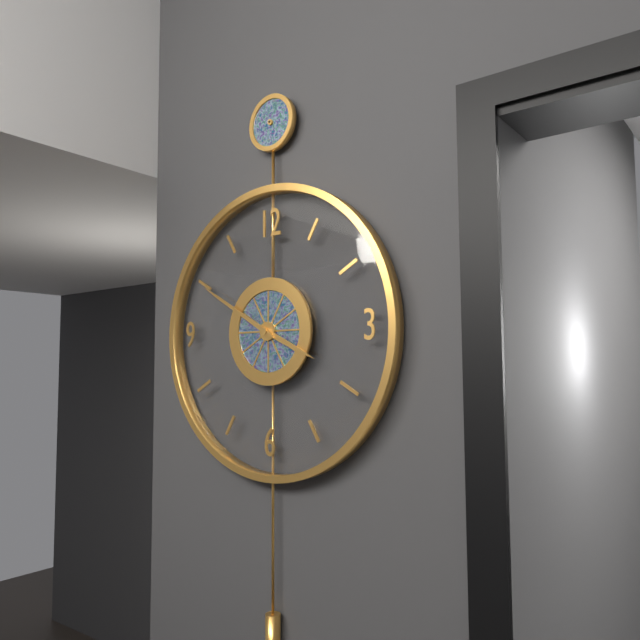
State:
3h50
